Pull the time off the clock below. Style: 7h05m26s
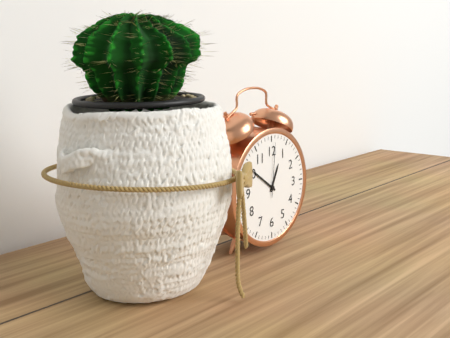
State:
12h51m01s
